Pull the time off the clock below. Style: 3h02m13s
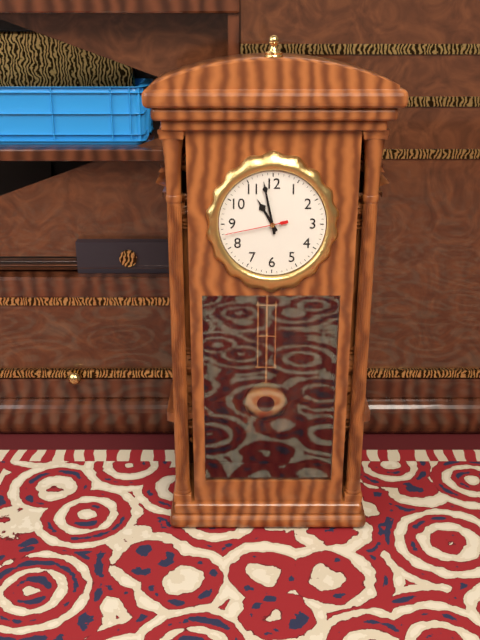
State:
10h58m43s
